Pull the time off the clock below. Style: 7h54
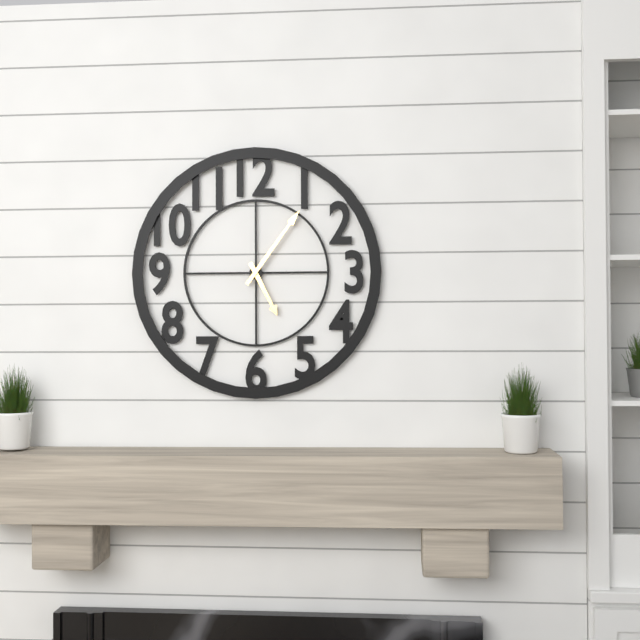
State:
5h06
